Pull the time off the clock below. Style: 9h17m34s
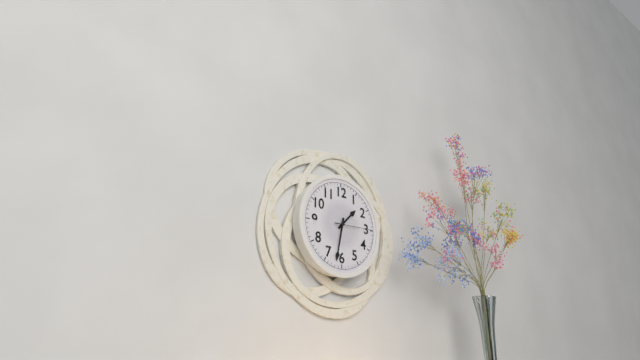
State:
1h32m15s
